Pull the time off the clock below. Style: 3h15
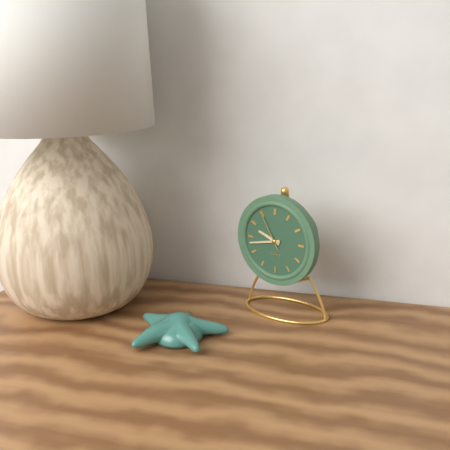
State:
9h43
